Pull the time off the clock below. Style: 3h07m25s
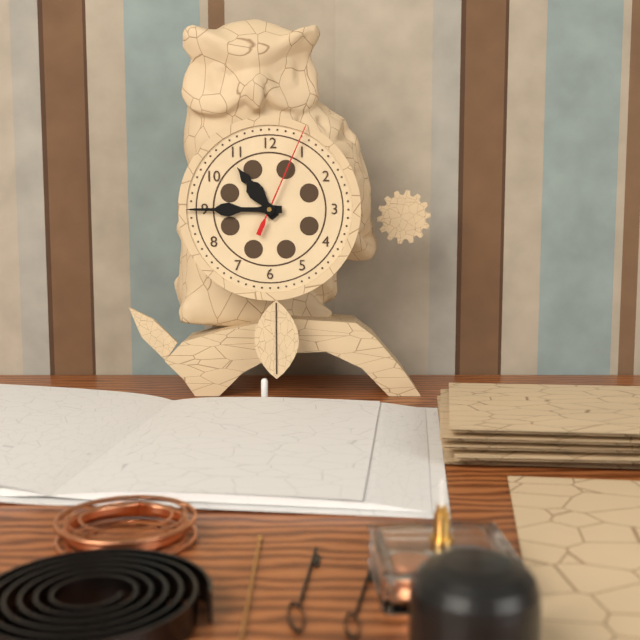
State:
10h45m04s
